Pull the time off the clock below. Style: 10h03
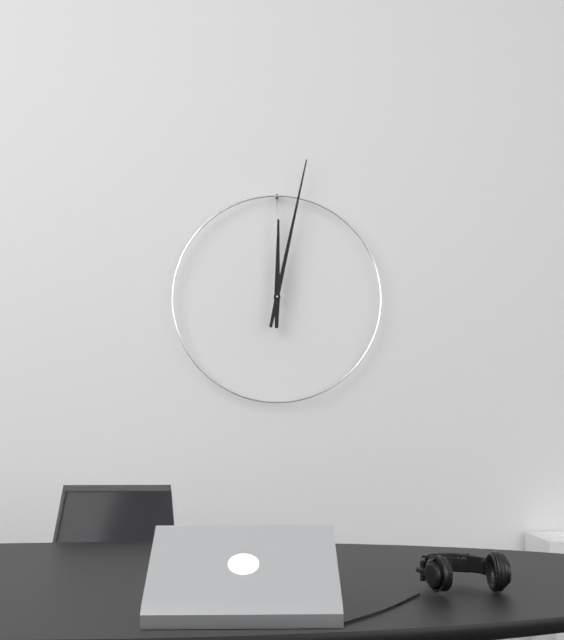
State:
12h02
